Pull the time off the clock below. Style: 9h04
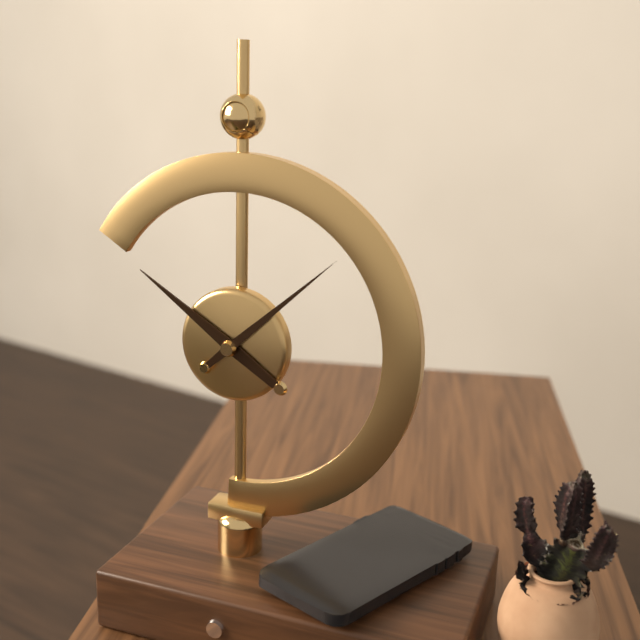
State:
10h08
